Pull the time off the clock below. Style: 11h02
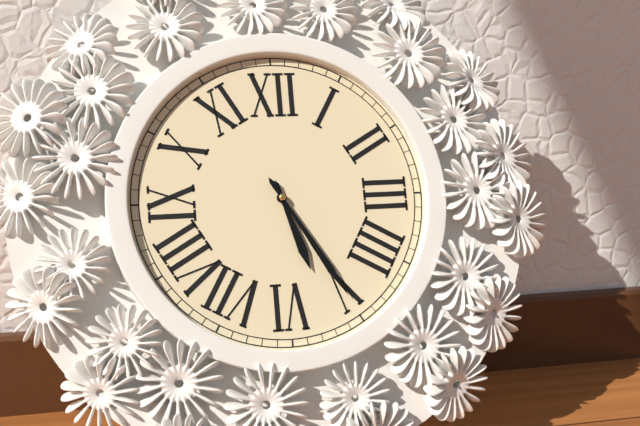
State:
5h25
